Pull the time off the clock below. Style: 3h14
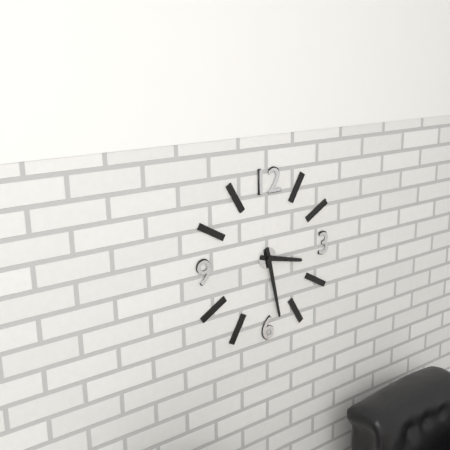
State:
3h28
